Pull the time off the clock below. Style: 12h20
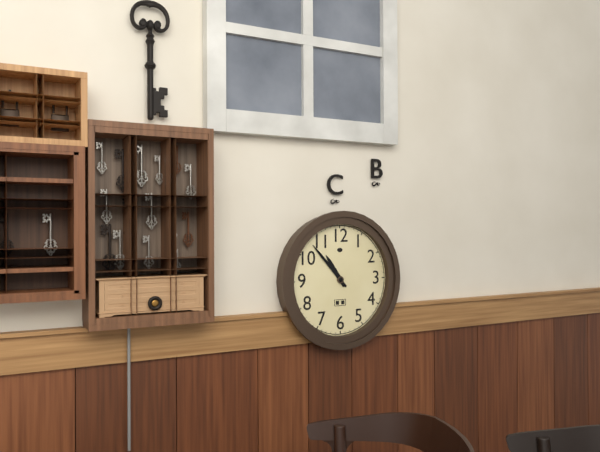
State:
10h53
